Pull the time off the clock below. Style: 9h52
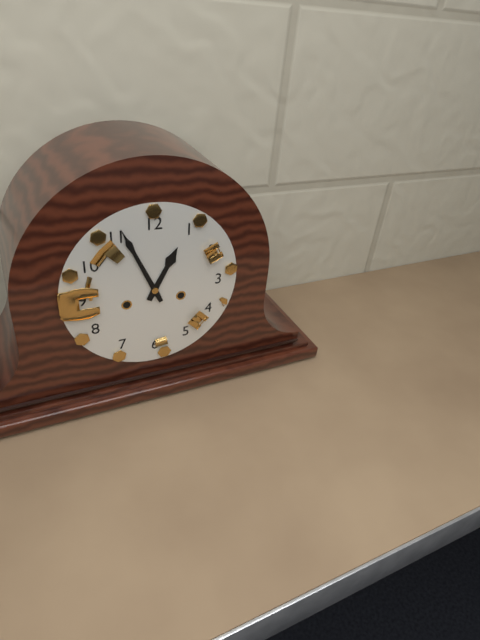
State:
12h56
